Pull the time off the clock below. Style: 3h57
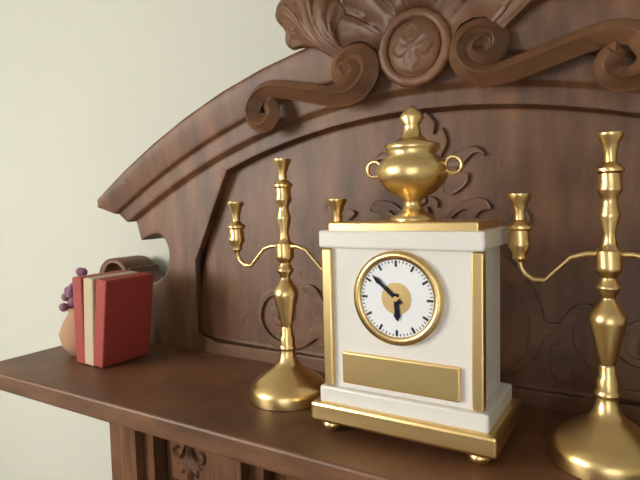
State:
5h52
